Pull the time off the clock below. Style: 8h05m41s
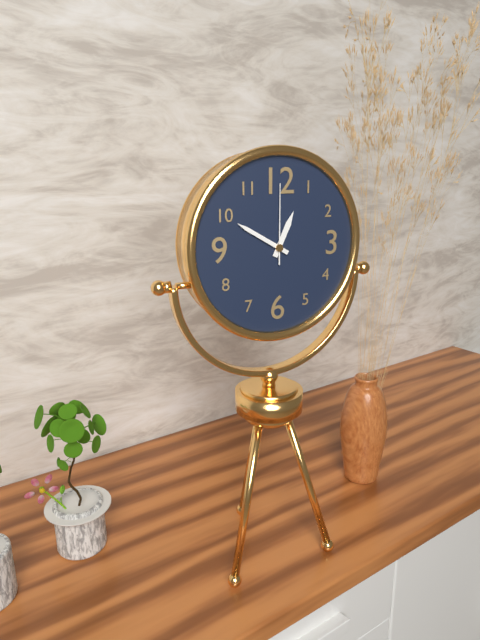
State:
12h50m00s
